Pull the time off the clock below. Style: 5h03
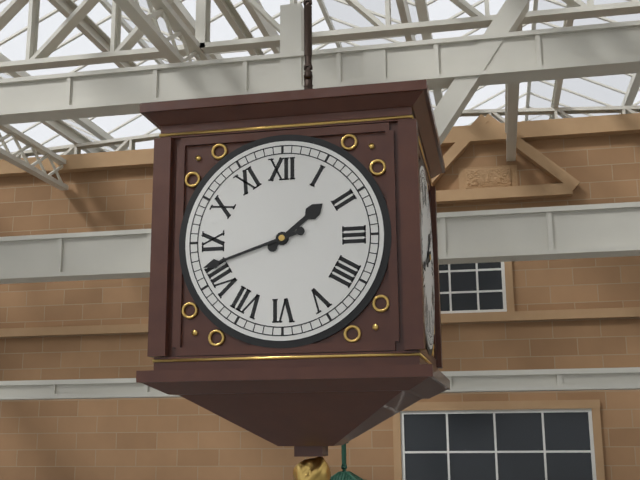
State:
1h42
